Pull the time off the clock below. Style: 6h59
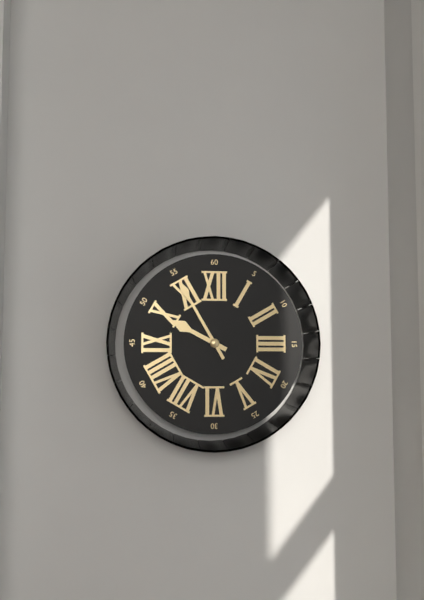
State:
9h55
